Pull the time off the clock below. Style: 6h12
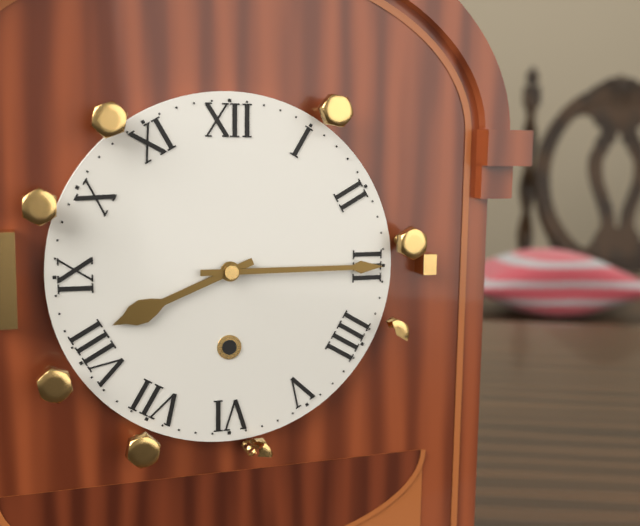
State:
8h15
